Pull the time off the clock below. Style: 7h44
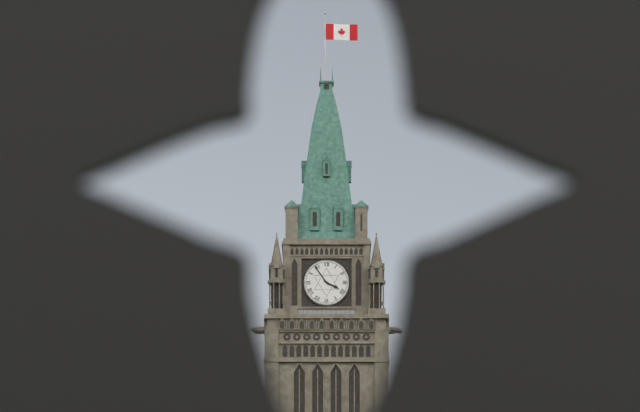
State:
3h54
